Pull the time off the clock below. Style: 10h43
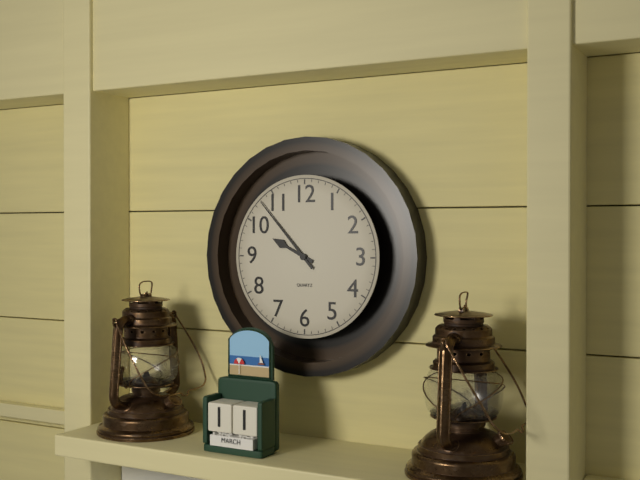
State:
9h53
